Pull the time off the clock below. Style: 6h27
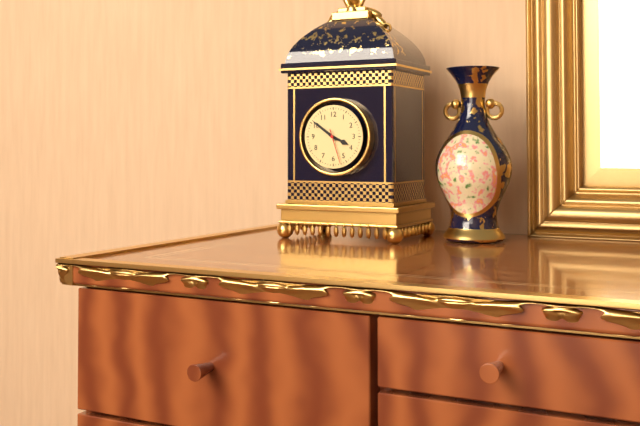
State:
3h51
